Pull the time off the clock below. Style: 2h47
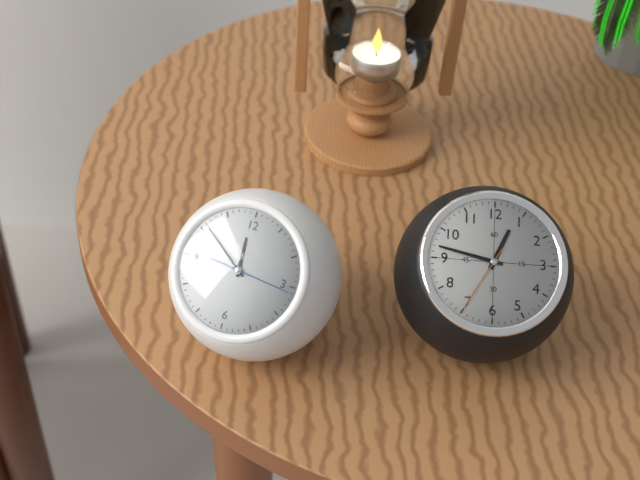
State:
11h51
